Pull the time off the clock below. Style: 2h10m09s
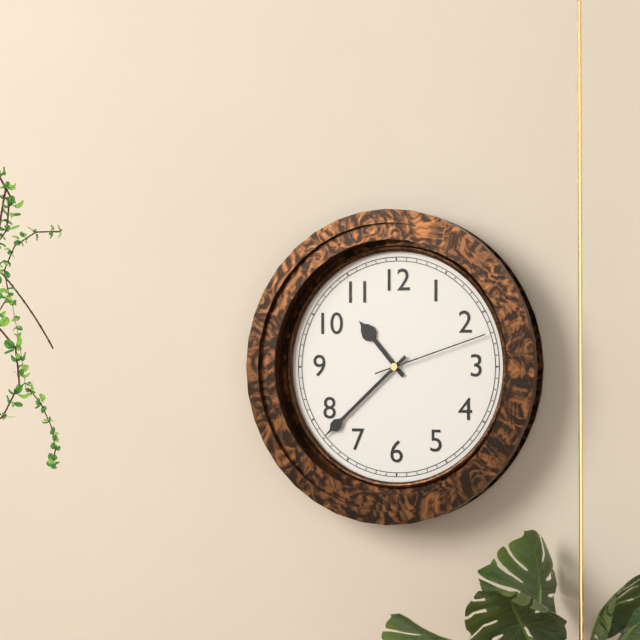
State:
10h38m12s
